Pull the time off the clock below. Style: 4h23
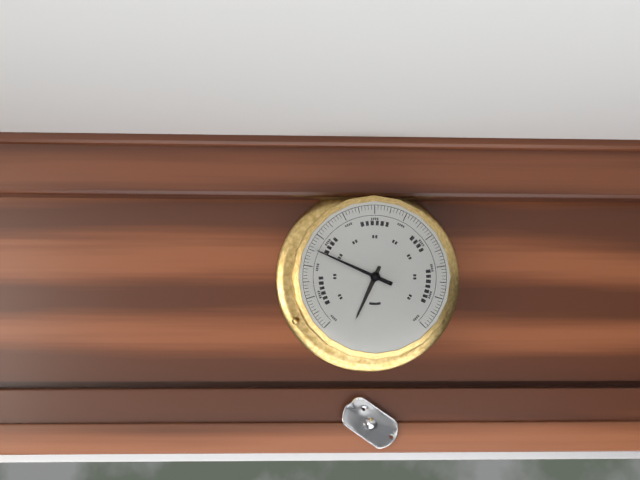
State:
6h49
